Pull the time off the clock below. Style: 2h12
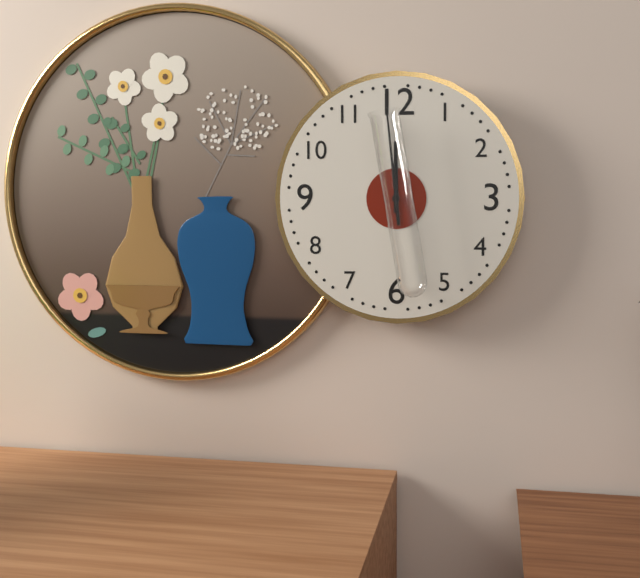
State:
11h59
